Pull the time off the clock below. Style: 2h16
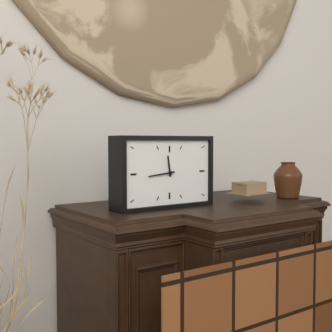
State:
11h44
